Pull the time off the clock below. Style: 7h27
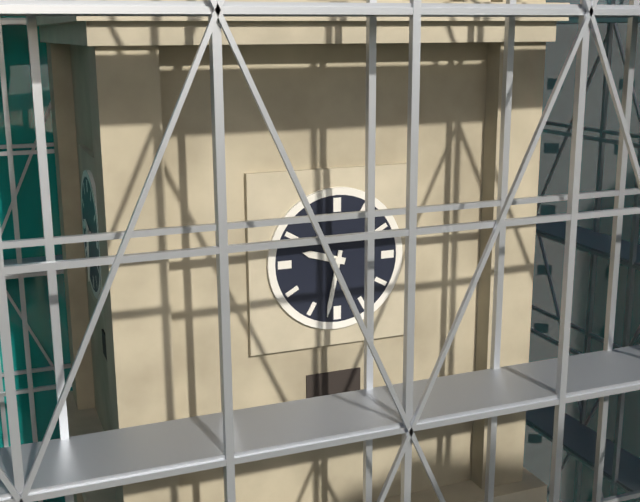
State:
9h32
